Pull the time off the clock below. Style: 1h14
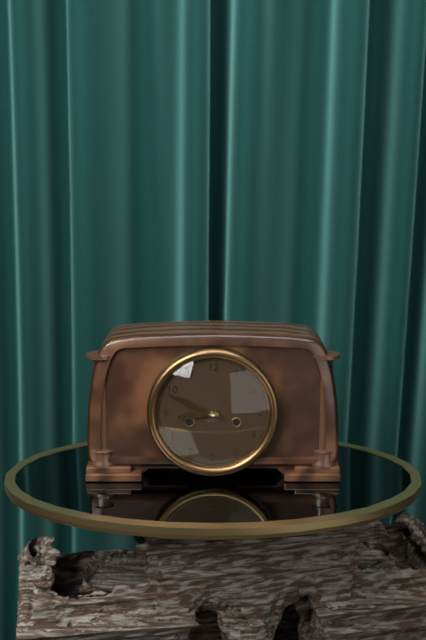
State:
8h49
